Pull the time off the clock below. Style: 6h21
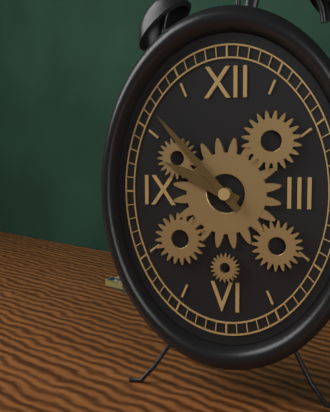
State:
9h53
